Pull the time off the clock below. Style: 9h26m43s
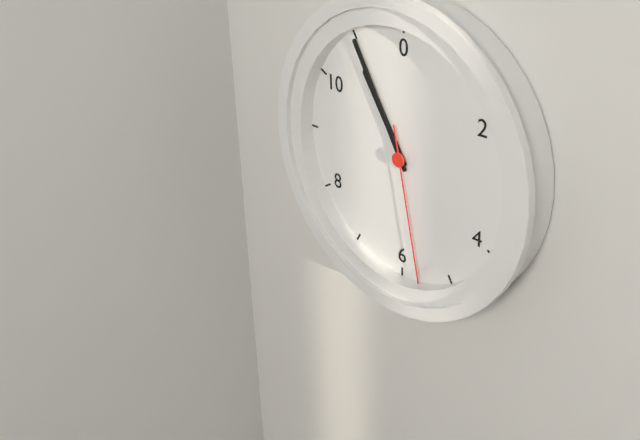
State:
10h55m28s
